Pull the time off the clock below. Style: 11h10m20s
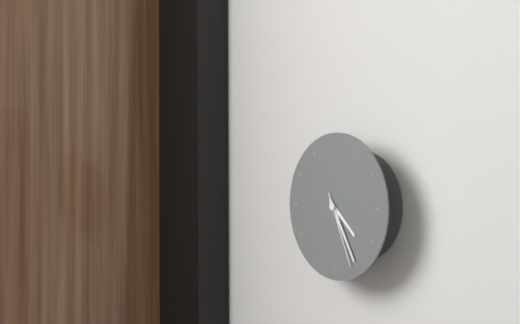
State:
4h25m26s
